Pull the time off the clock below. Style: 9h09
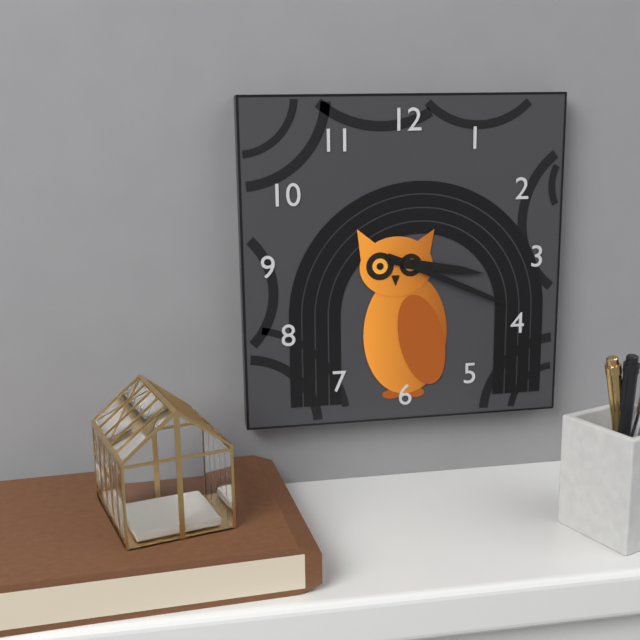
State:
3h19
